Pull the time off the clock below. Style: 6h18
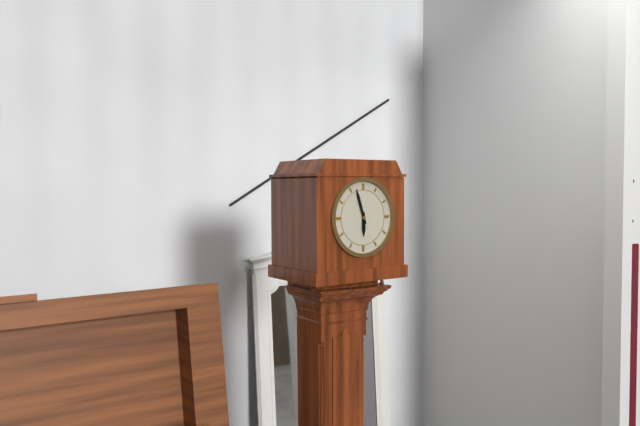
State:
5h57
